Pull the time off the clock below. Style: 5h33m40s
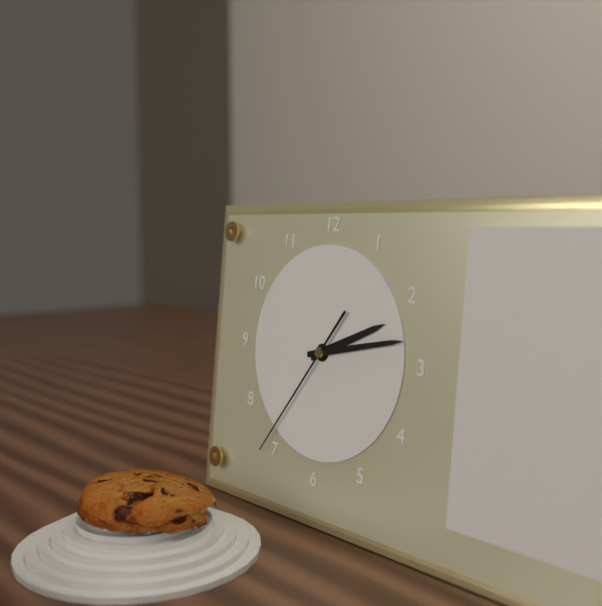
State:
2h13m36s
